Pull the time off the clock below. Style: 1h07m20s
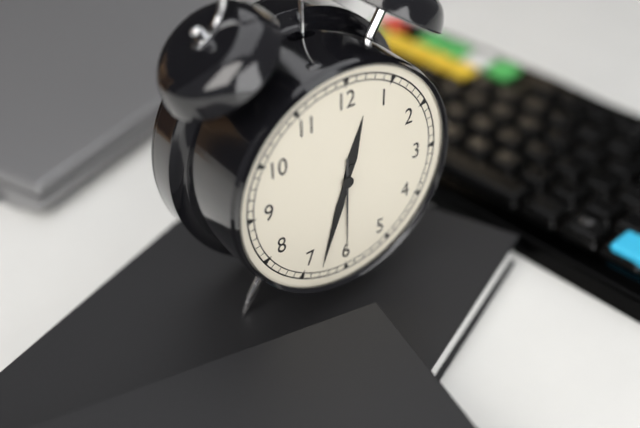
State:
12h33m30s
